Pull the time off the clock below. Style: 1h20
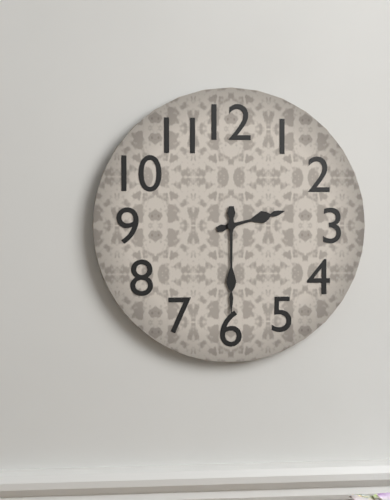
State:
2h30
